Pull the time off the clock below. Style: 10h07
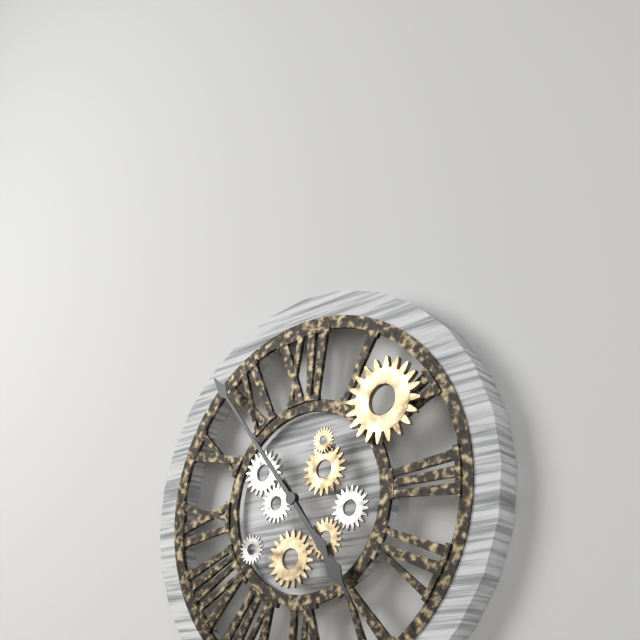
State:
4h54
